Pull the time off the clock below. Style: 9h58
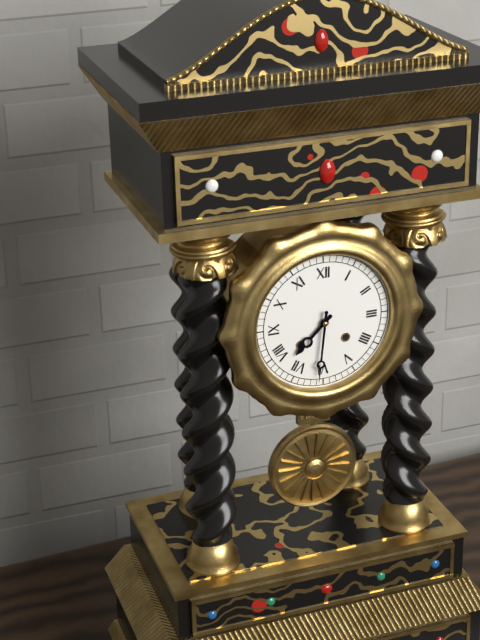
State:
7h31
